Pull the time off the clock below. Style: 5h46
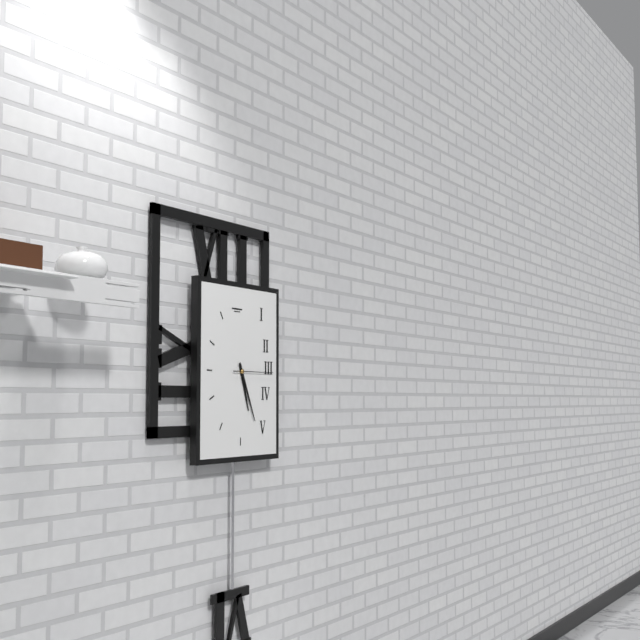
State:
5h26
